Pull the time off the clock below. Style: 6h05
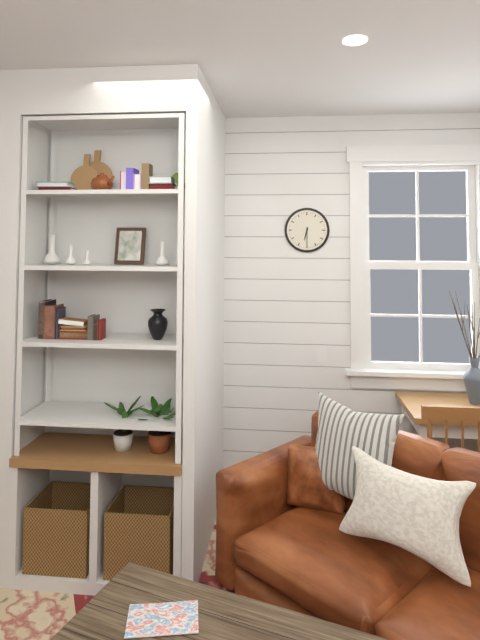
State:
6h30
